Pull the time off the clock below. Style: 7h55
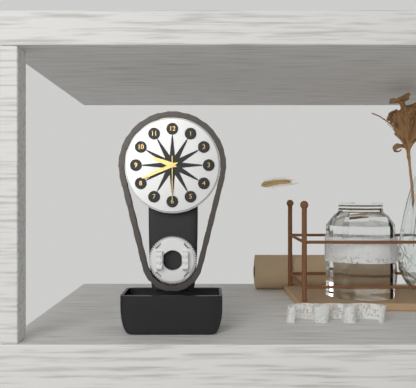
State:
9h41
